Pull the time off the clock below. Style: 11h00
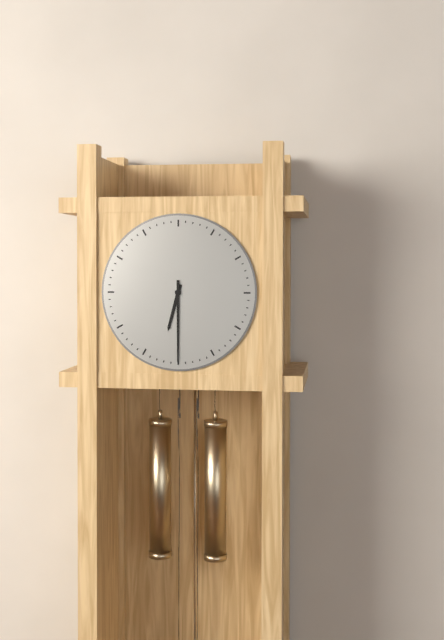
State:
6h30
